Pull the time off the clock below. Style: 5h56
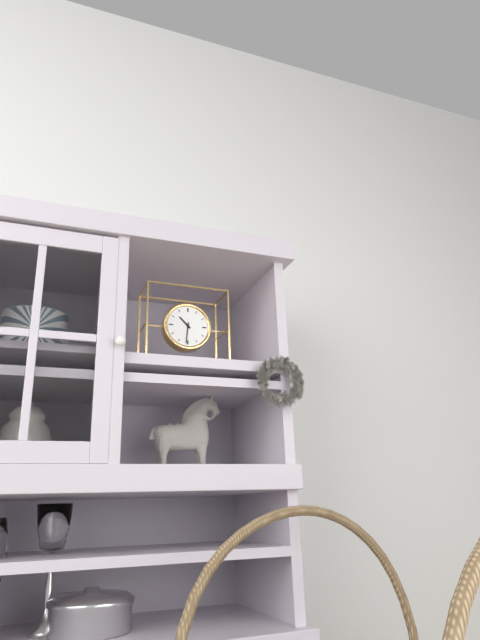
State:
10h31
